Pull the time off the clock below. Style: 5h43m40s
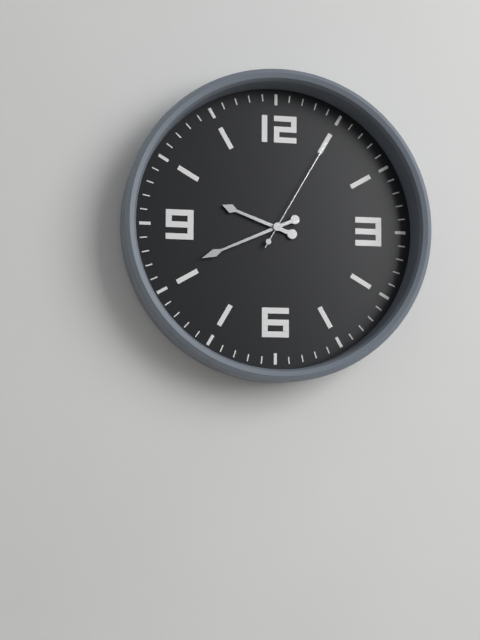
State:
9h41m05s
